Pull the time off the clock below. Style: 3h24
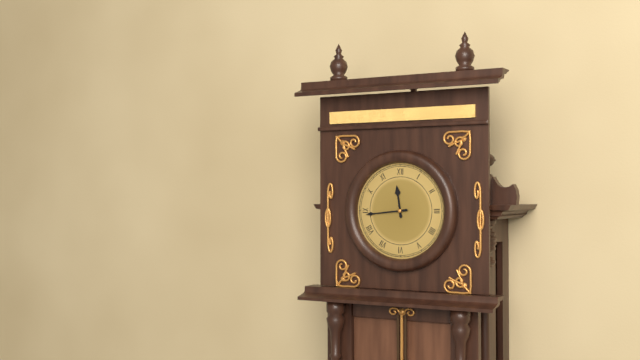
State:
11h44
